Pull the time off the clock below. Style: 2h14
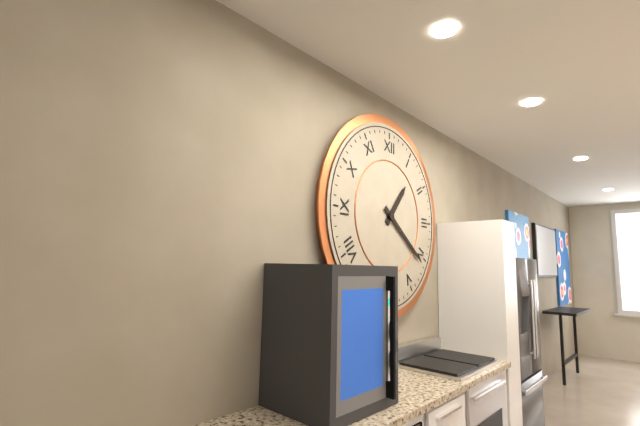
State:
1h21
